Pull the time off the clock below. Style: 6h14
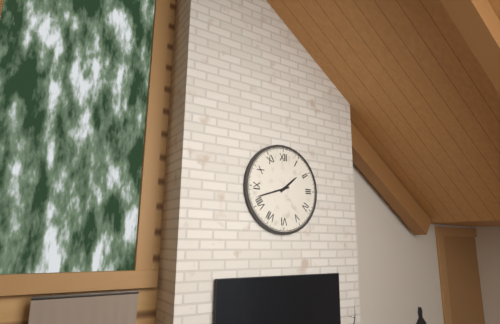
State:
1h42
